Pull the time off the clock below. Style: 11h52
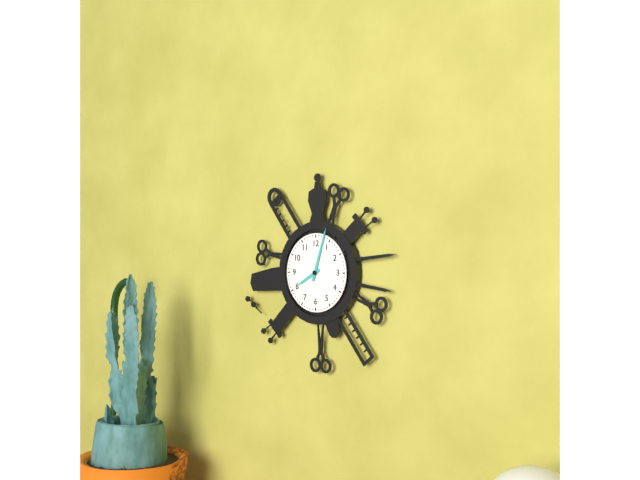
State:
8h03
